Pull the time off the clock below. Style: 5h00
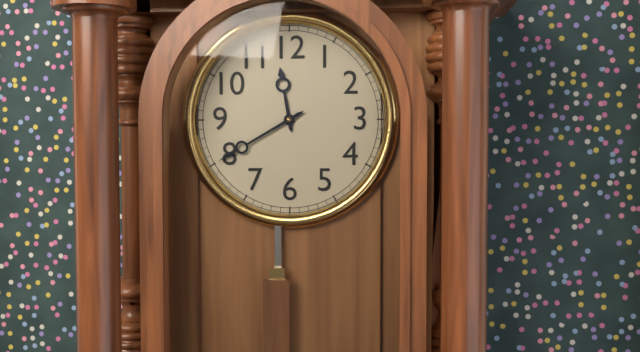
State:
11h40
